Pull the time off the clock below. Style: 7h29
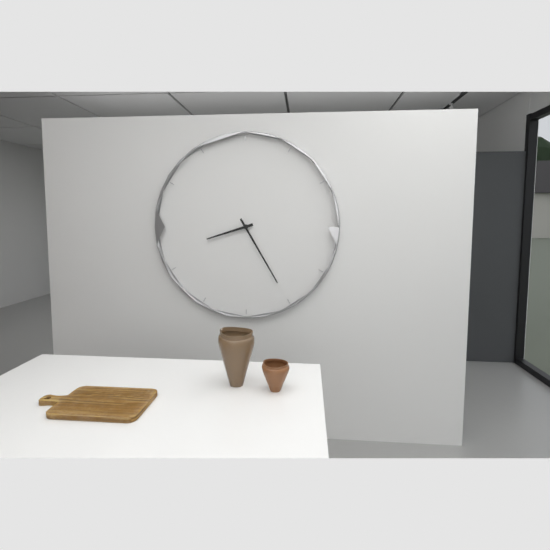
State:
8h25
